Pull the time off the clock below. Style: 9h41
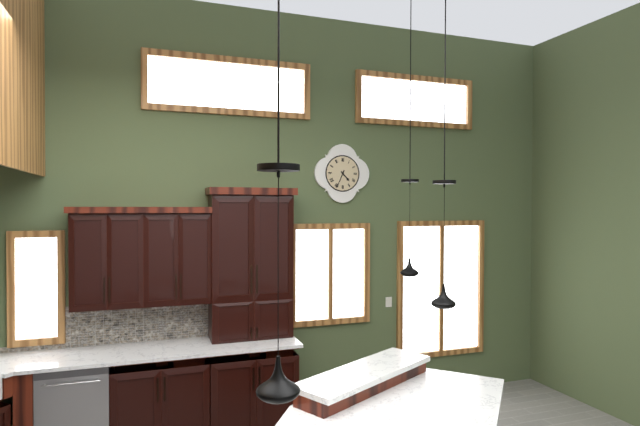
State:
4h34
